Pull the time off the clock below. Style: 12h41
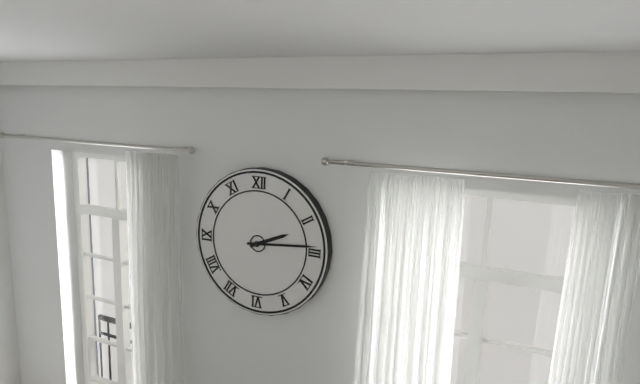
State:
2h14
